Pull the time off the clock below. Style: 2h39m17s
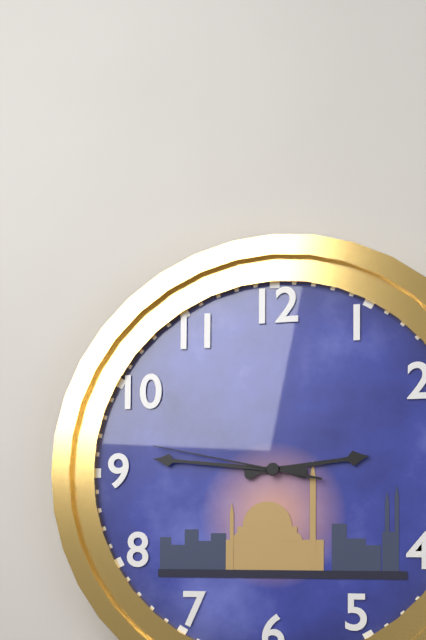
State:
2h46m47s
